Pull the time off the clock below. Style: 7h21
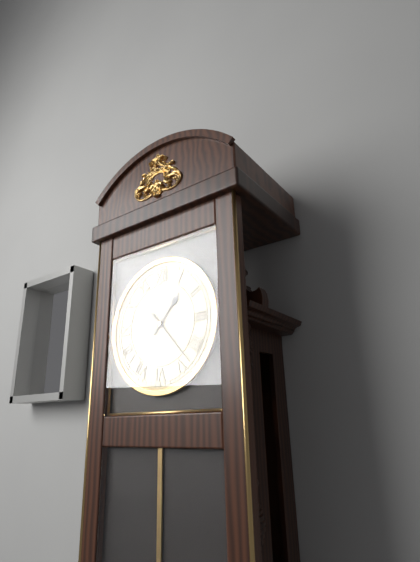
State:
1h23
